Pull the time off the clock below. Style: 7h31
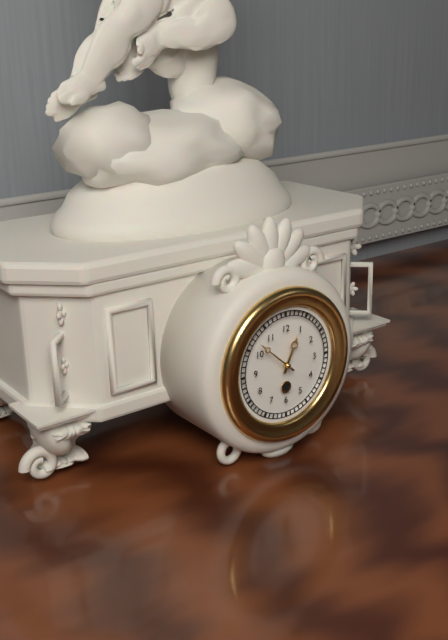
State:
12h52
